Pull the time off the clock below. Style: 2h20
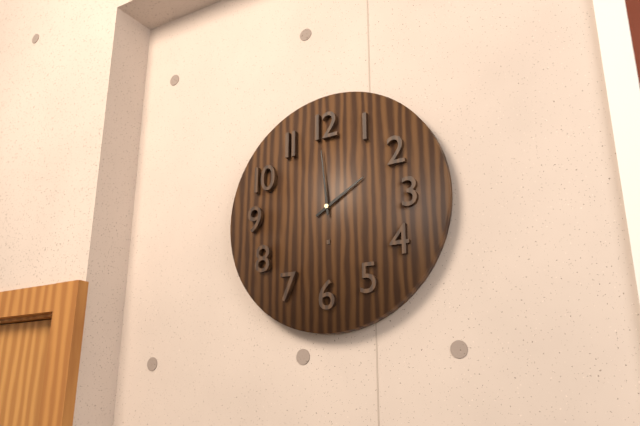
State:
1h59
